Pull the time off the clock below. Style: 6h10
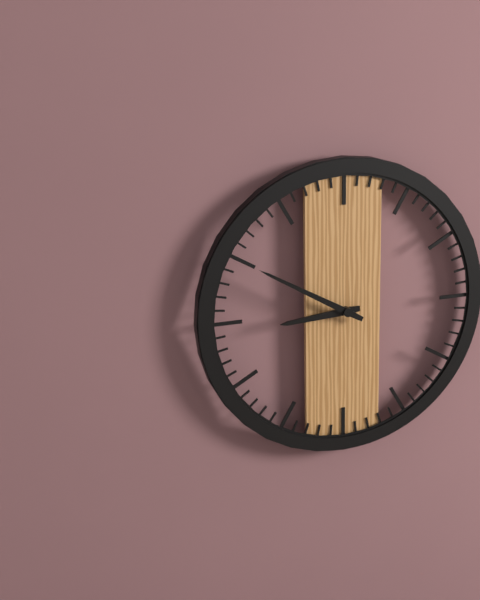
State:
8h50
